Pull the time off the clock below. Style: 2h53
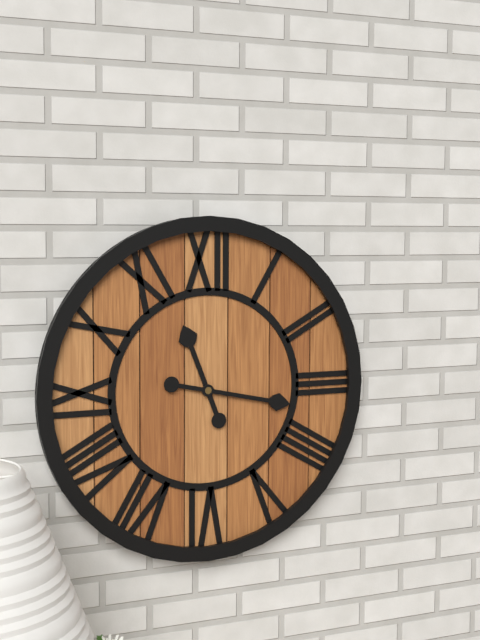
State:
11h17
